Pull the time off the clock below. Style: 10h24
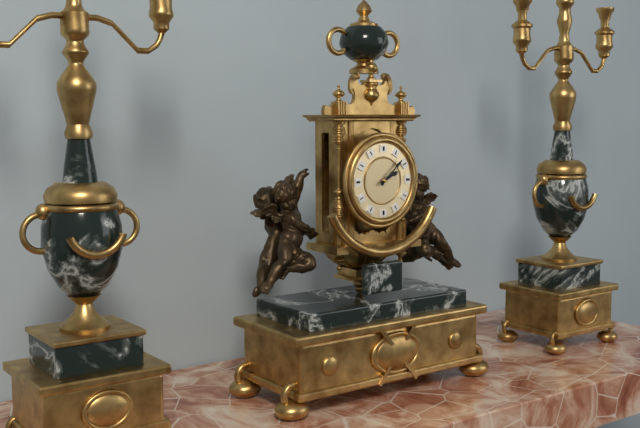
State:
2h08
